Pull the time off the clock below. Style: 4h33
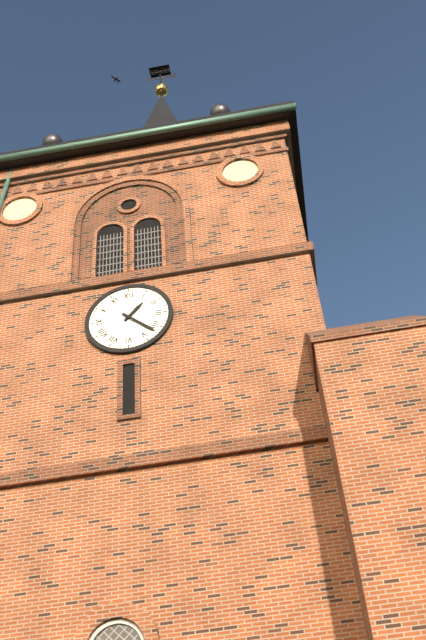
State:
1h22
